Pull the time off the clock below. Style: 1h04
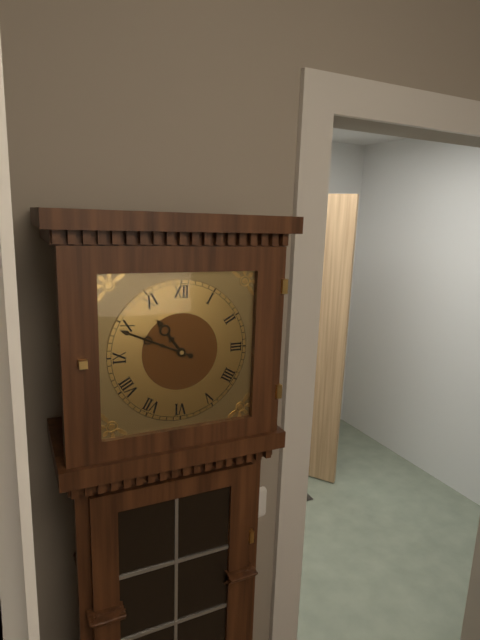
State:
10h49
